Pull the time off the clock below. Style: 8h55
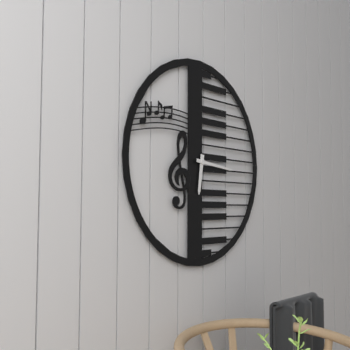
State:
6h16
